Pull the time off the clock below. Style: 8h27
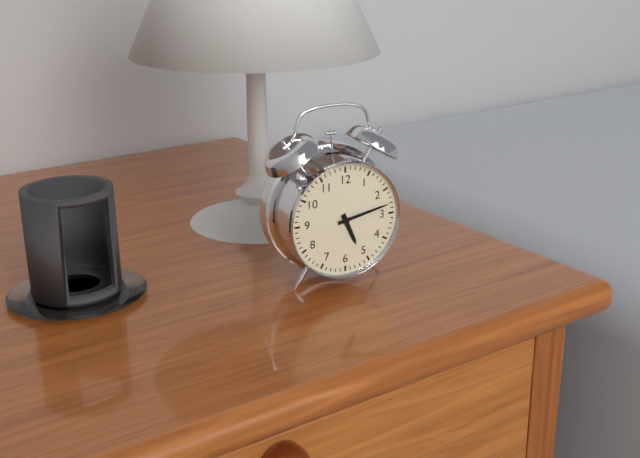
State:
5h13
